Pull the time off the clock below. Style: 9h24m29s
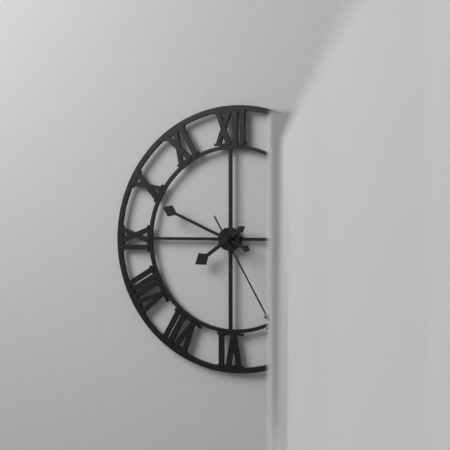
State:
7h49m25s
